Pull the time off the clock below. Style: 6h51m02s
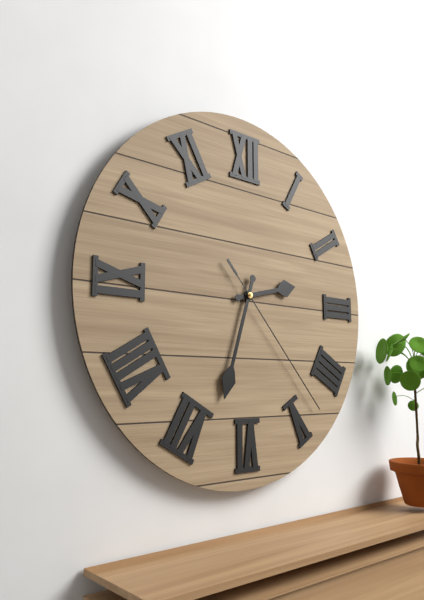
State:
2h33m23s
